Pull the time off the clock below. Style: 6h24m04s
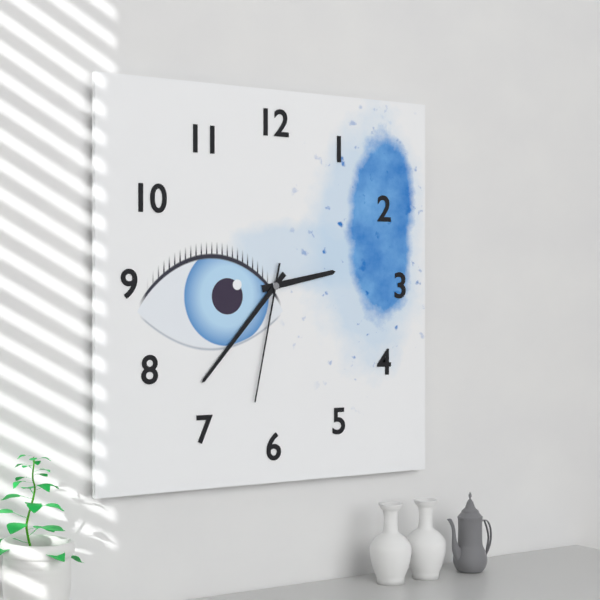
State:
2h37m32s
